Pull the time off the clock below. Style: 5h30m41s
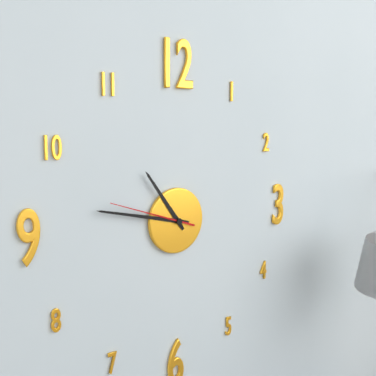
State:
10h47m48s
